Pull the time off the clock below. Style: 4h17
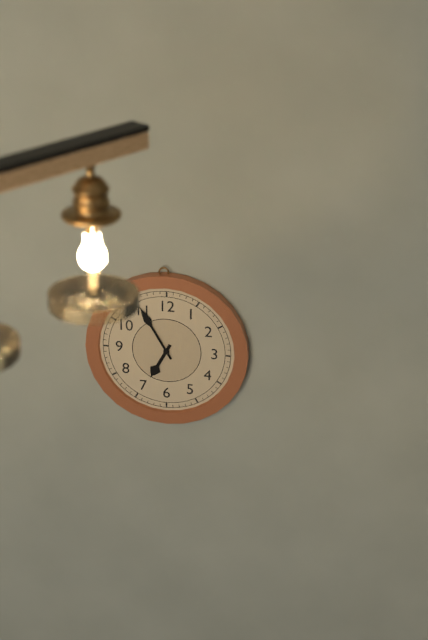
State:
6h55
